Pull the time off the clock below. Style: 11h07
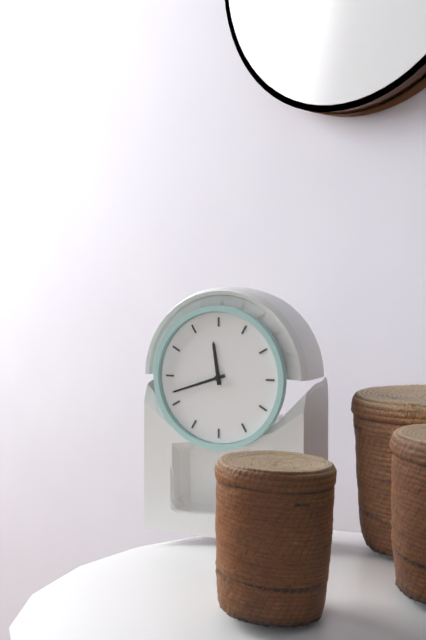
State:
11h42
